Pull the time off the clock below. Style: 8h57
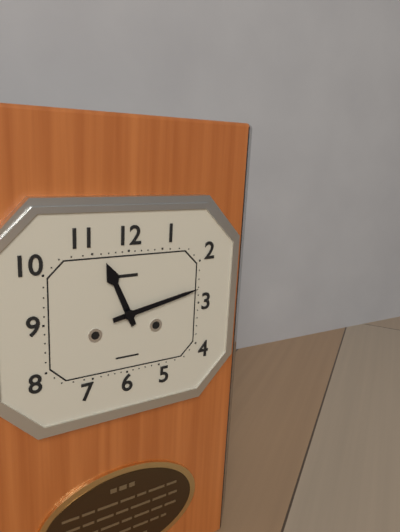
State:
11h13
